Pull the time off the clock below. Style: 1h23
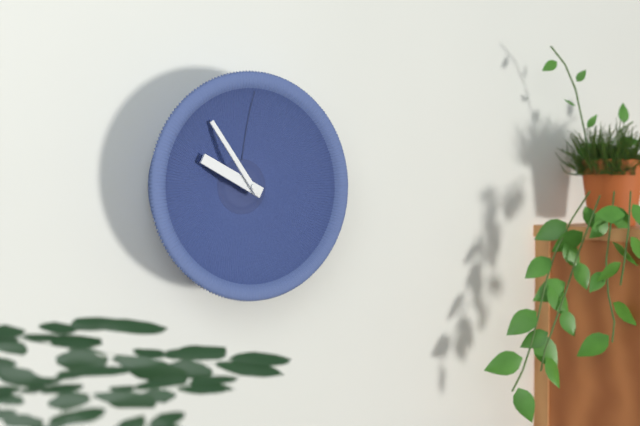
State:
9h54
